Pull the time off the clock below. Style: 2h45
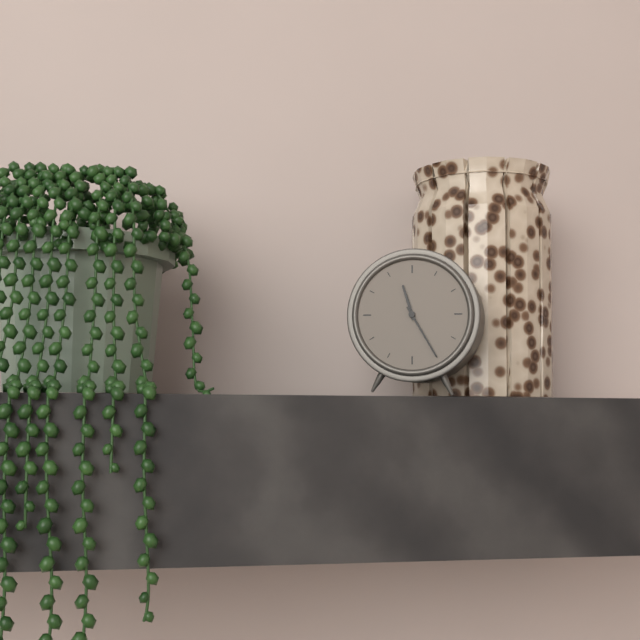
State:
11h25
